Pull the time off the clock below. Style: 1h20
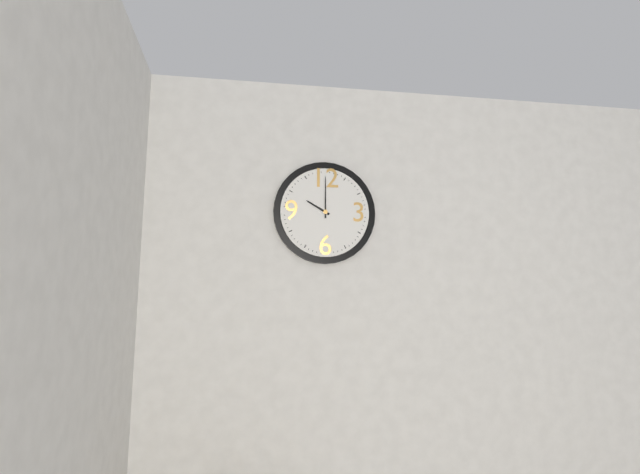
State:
10h00
